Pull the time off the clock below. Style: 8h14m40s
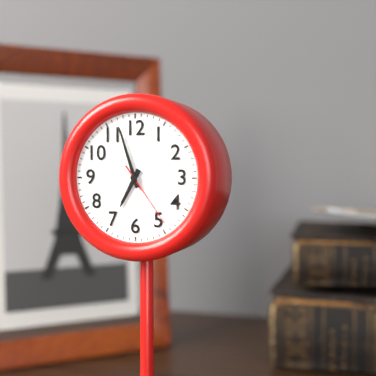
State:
6h57m24s
